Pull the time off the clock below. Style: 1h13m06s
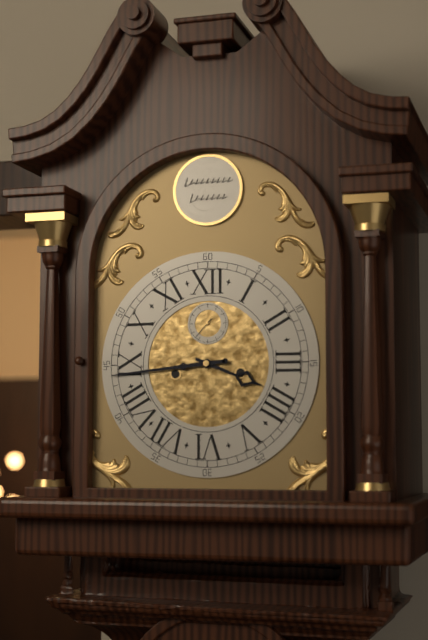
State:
3h44m37s
